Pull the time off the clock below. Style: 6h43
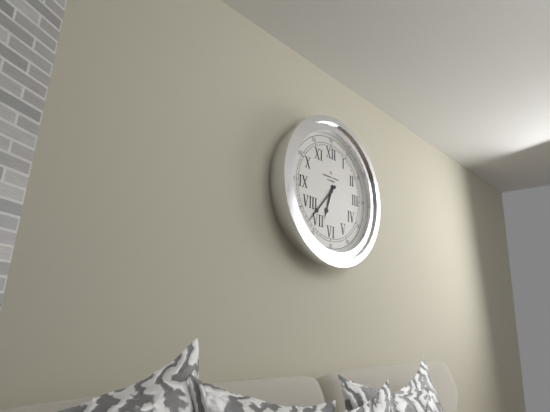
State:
6h37
